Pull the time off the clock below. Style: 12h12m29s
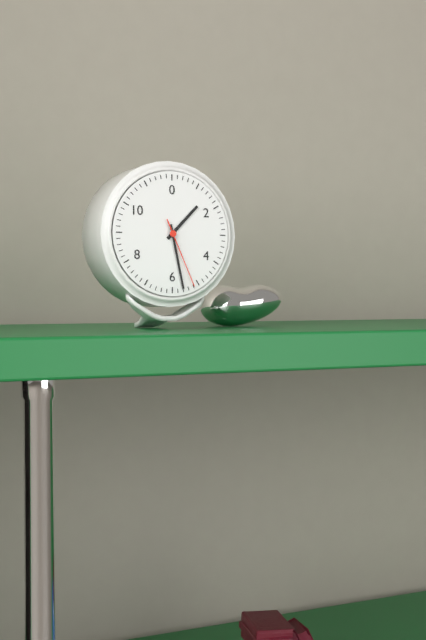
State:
1h28m26s
